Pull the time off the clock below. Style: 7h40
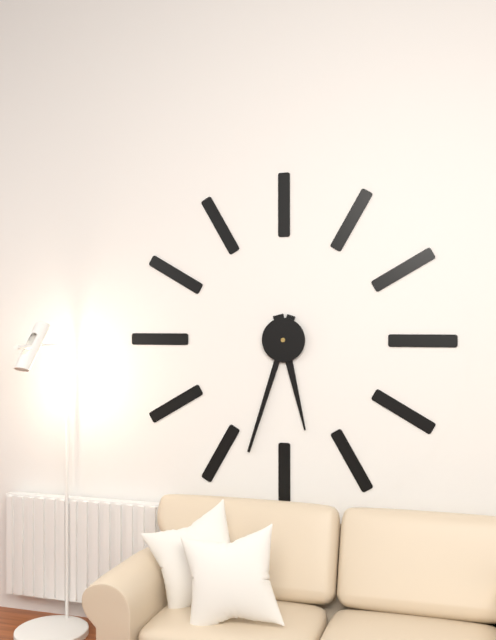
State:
5h33
